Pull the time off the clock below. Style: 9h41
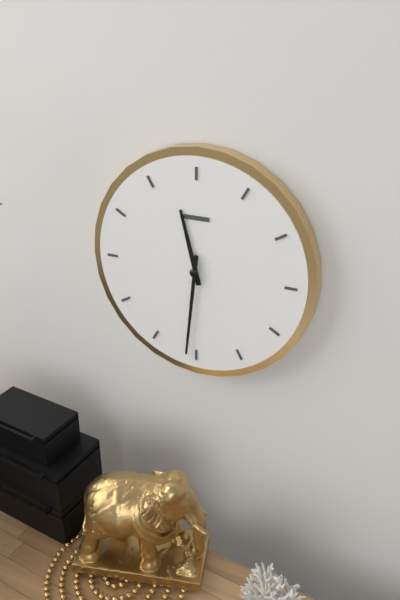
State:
11h31
